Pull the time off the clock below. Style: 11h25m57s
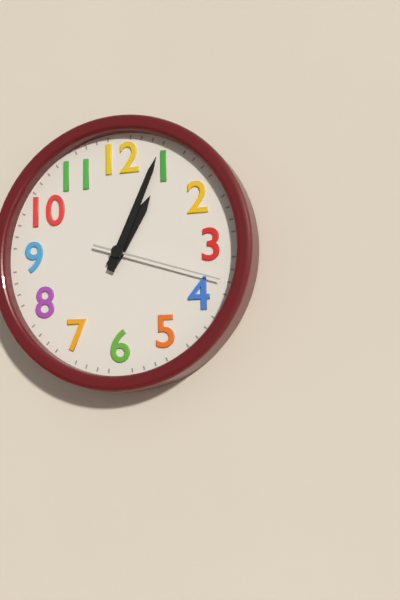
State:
1h04m18s
